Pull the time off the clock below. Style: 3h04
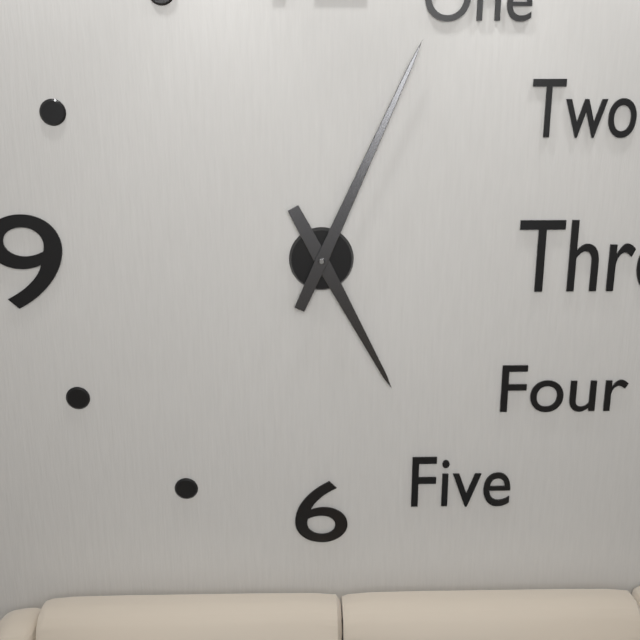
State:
5h04
